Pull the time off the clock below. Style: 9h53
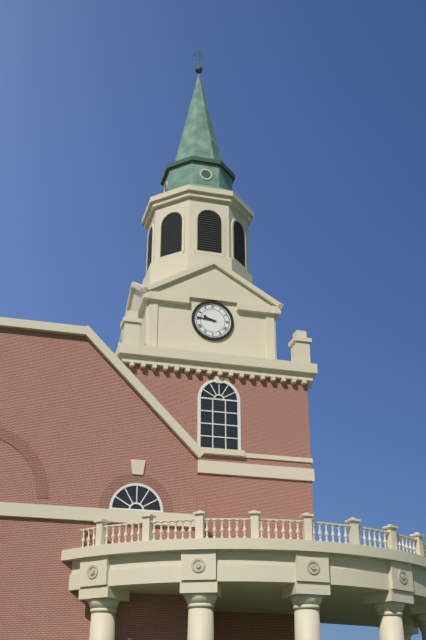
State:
9h46
